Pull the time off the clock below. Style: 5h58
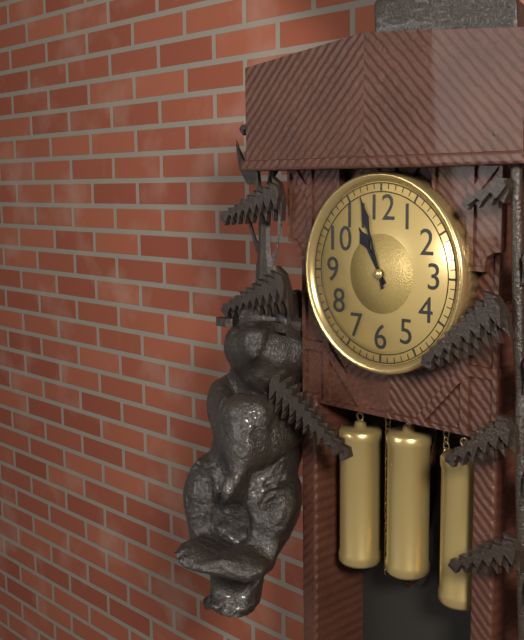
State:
10h57
